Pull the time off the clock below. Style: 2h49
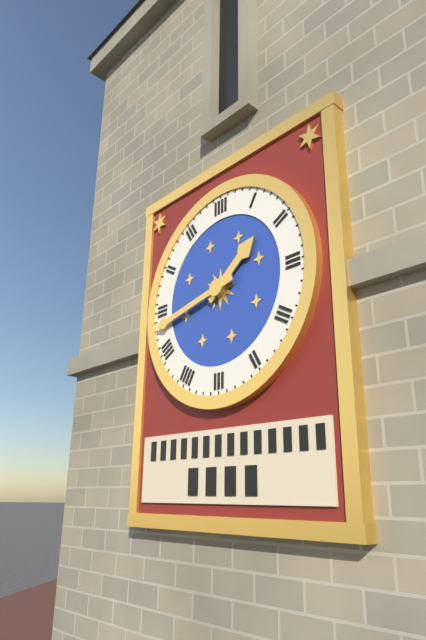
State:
1h43
